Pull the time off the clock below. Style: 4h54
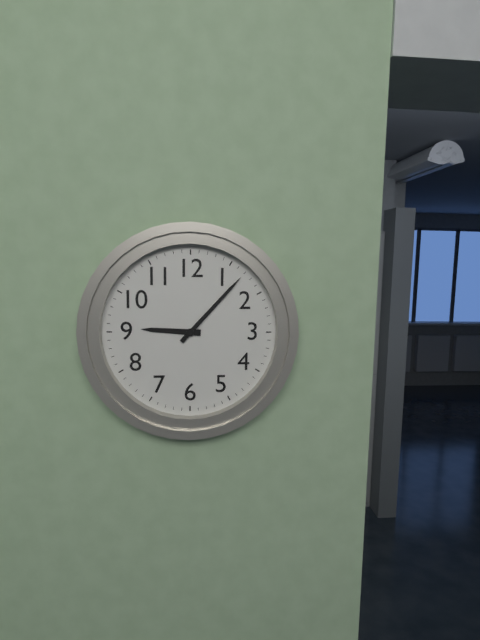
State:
9h07
